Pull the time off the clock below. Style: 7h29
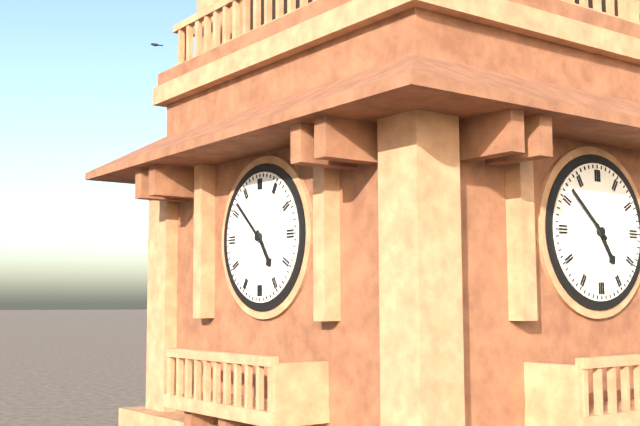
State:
4h52
